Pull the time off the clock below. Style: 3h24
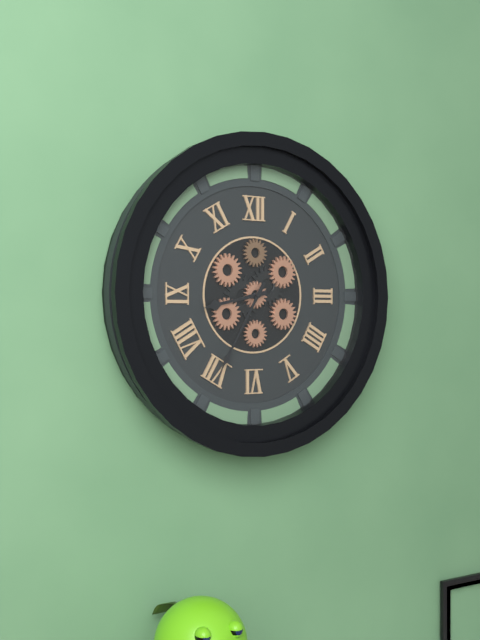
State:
8h35
